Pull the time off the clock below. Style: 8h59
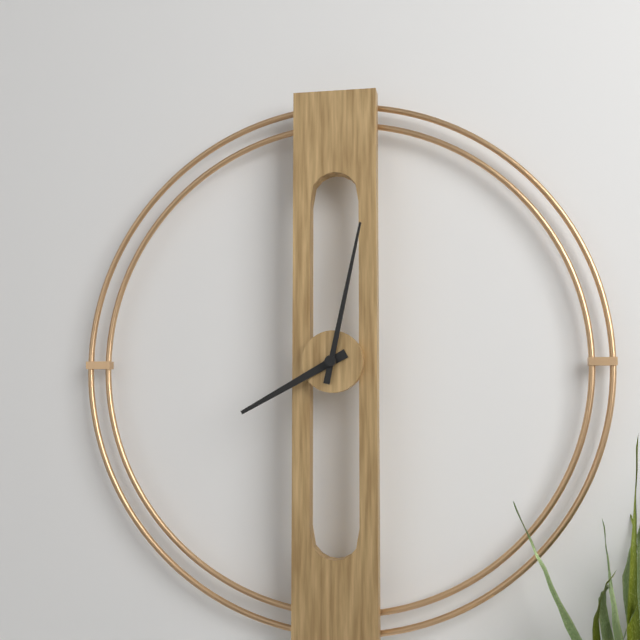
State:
8h02
